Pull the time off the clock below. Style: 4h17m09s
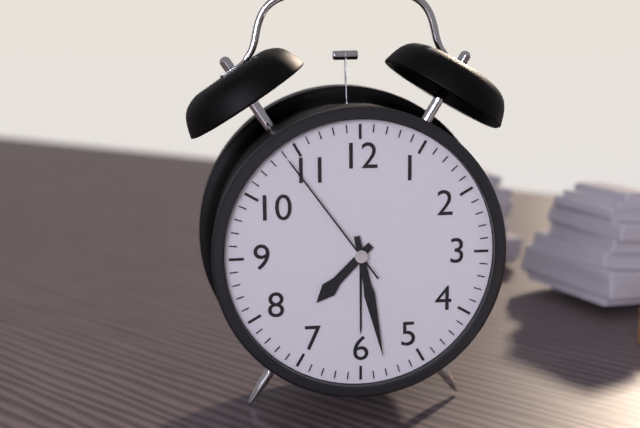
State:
7h28m54s
